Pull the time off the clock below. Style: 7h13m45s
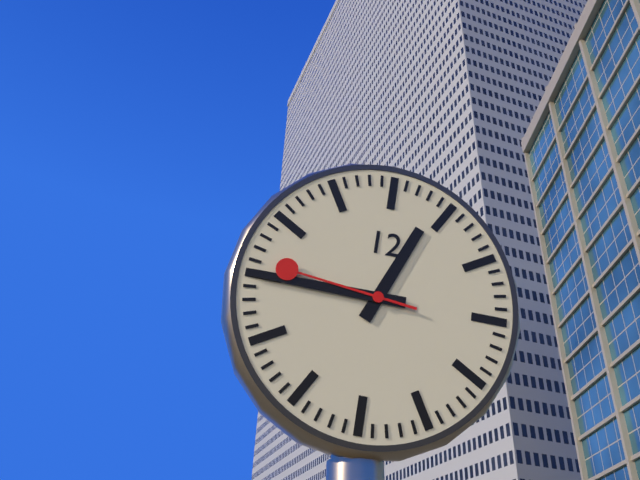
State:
12h45m46s
